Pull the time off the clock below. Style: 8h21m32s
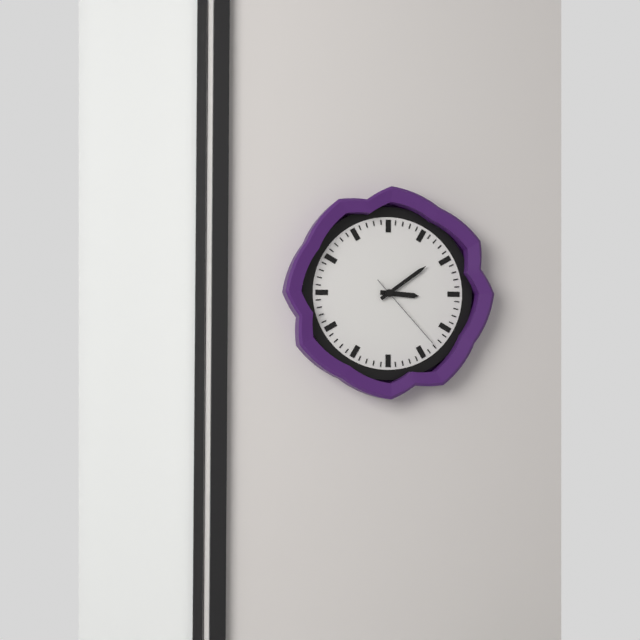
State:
3h09m23s
